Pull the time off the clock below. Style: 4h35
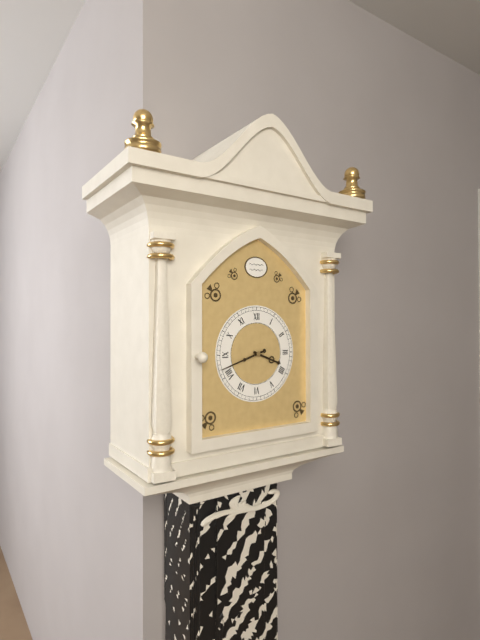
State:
3h42
